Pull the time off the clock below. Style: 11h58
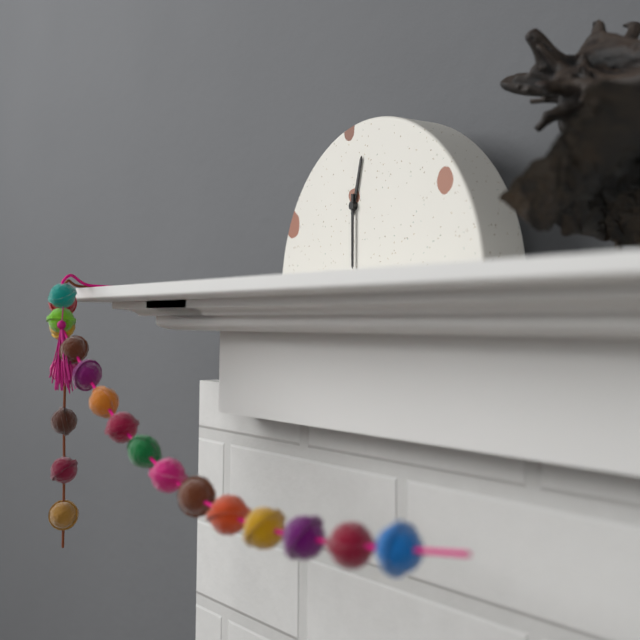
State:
12h30
